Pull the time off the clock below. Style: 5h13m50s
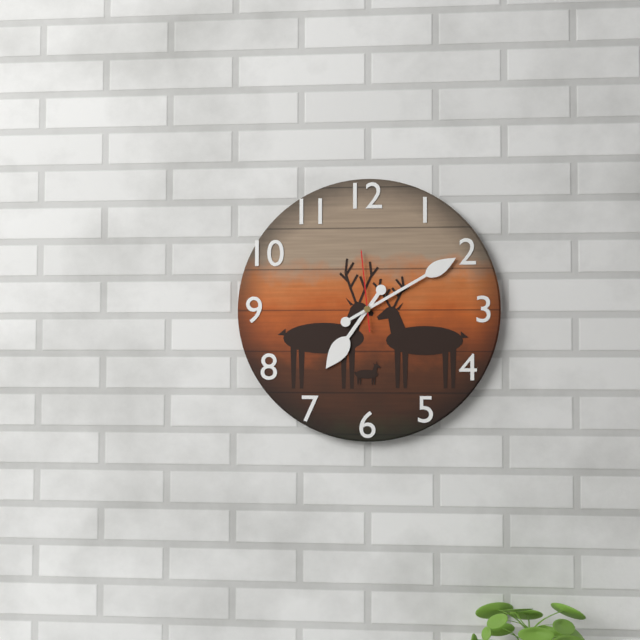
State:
7h10m59s
